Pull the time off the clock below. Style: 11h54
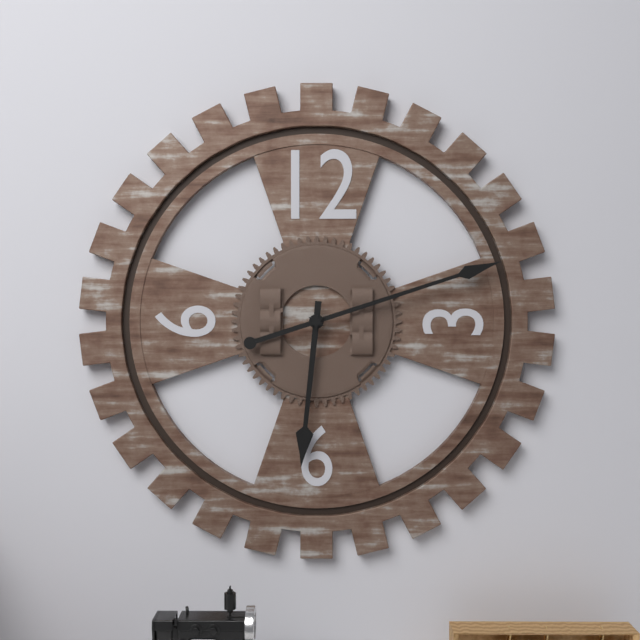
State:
6h12
